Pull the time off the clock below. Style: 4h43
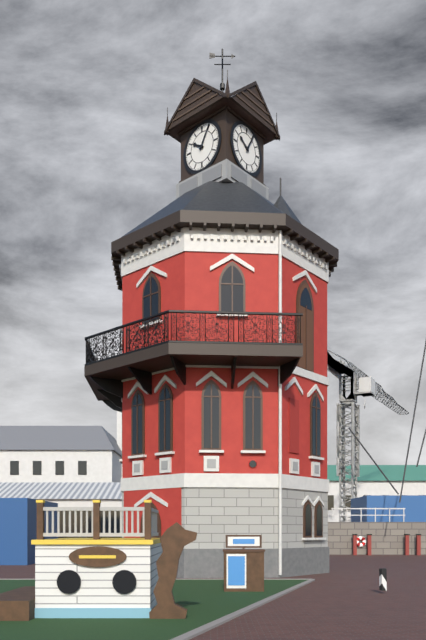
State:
10h05
